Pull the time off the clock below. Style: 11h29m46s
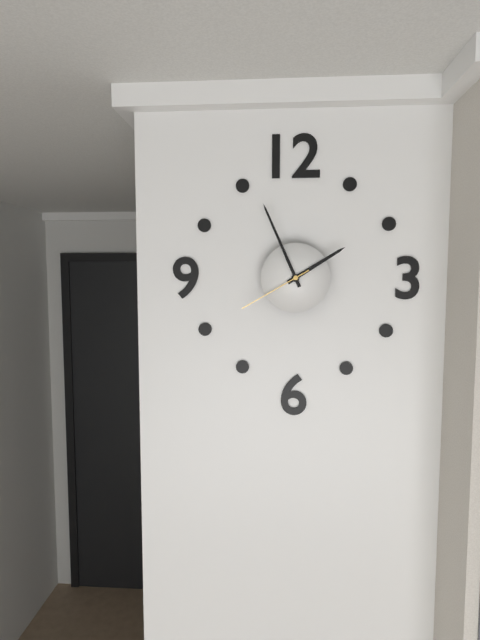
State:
1h56m40s
